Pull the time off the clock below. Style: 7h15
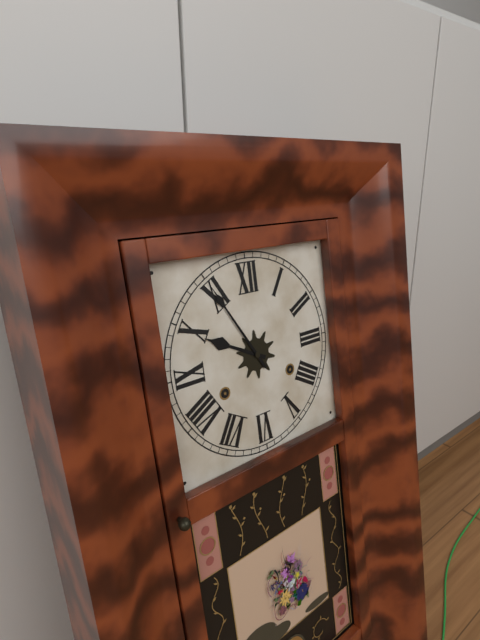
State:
9h55
